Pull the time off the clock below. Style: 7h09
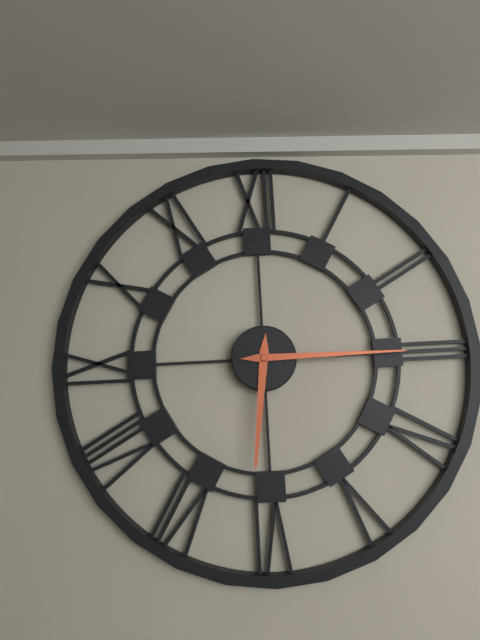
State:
6h15
